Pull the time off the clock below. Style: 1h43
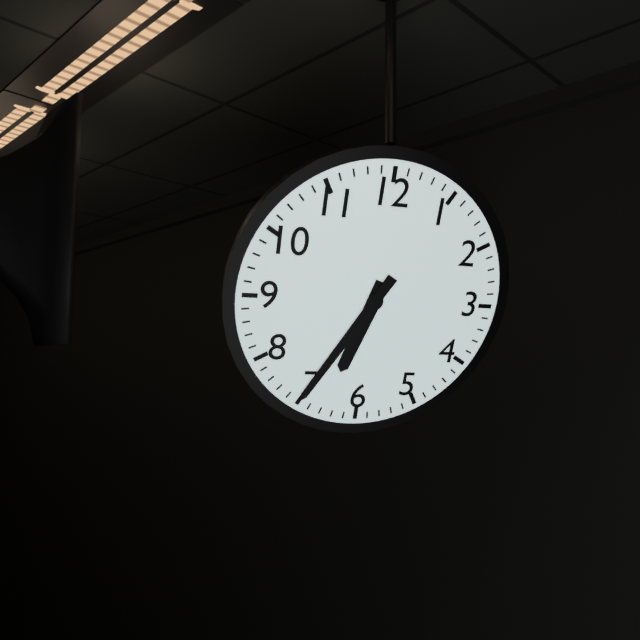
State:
6h35
